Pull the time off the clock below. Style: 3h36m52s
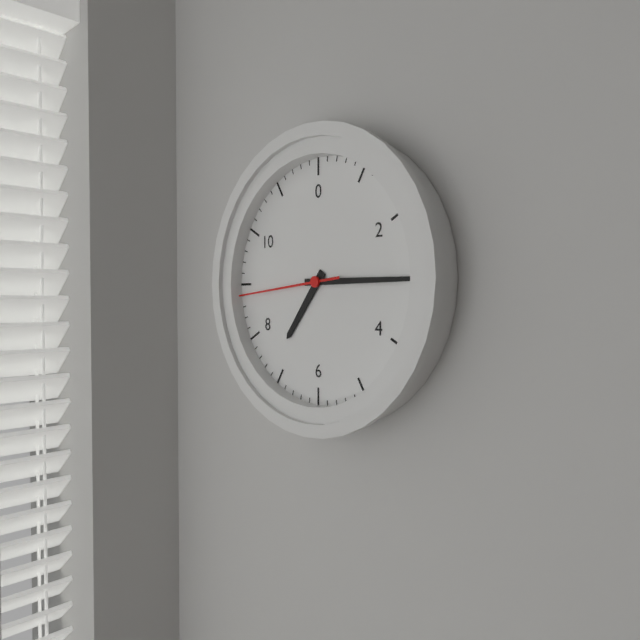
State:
7h15m44s
